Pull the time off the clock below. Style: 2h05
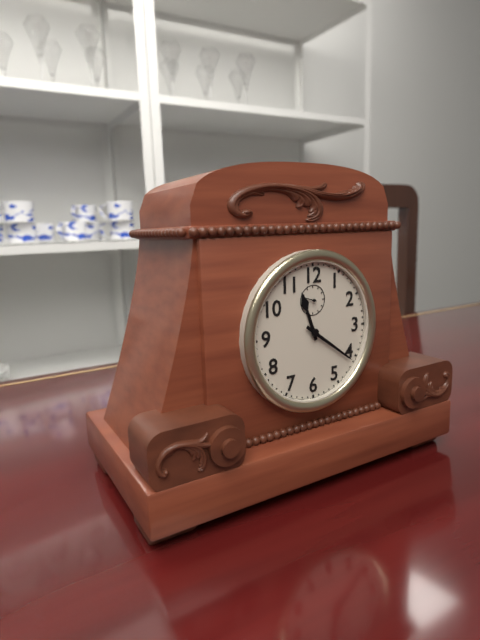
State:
11h21
